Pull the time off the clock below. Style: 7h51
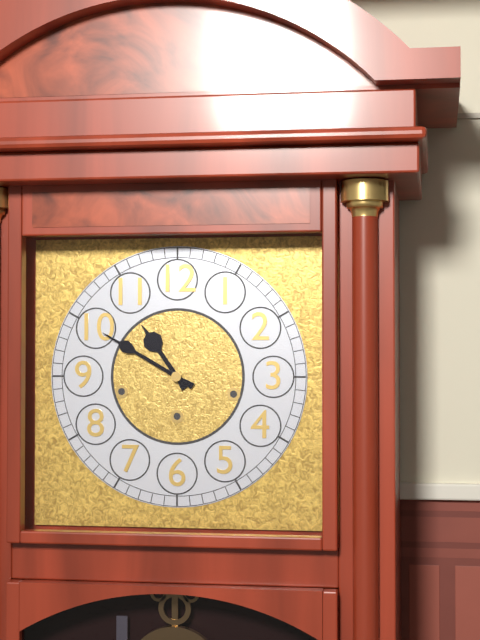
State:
10h50
